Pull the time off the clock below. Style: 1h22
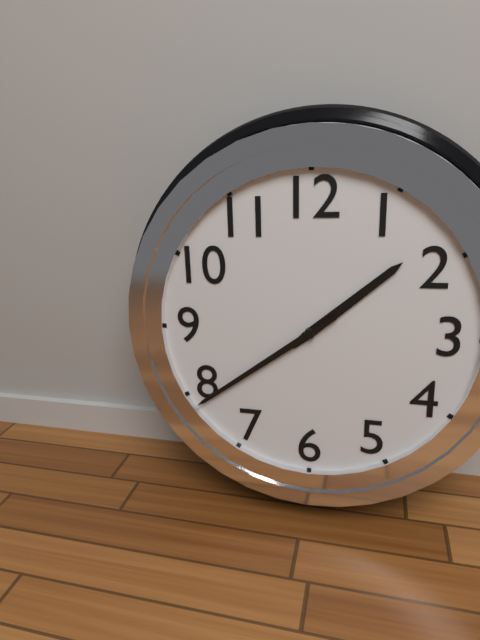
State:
1h39
